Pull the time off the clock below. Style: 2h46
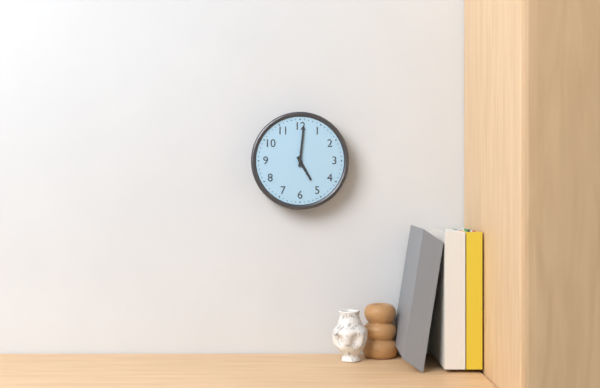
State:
5h01
